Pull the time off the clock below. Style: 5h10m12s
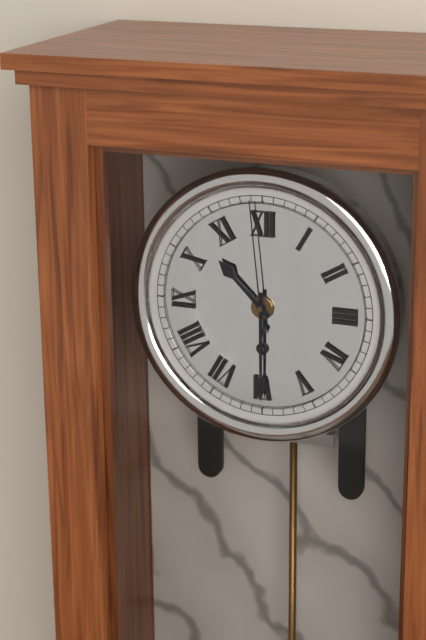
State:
10h30m59s
